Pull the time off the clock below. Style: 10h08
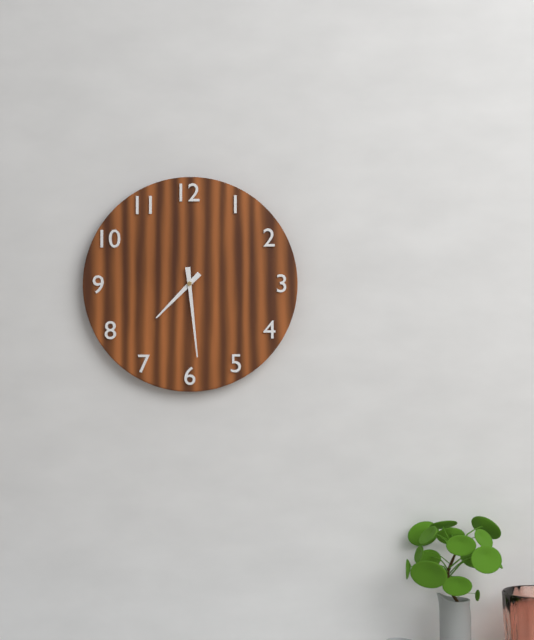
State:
7h29
